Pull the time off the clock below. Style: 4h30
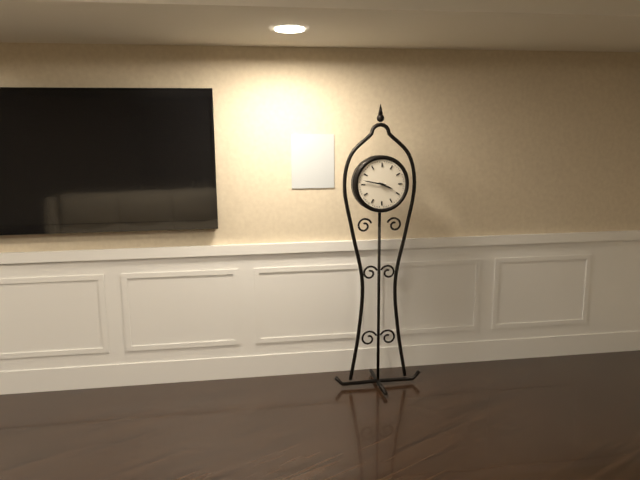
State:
3h47
